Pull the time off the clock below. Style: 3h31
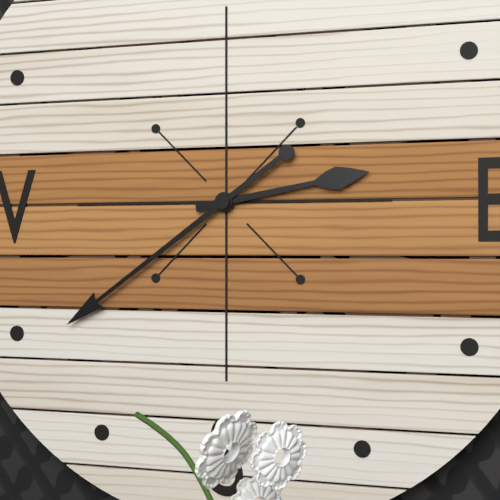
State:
2h39
